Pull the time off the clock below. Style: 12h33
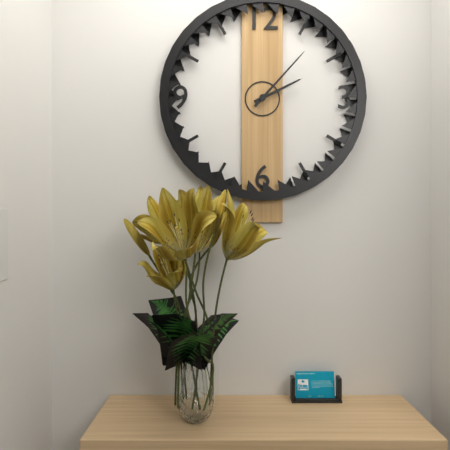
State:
2h07
